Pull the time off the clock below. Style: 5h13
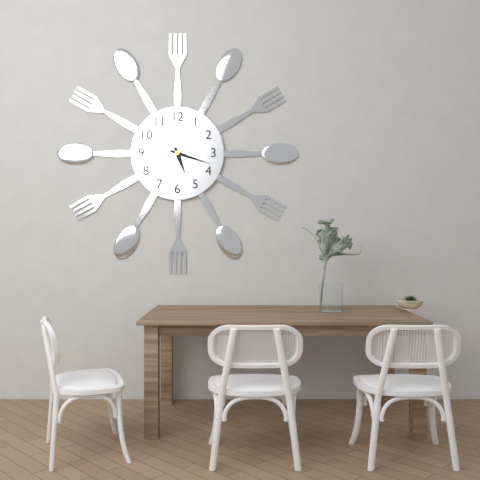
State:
5h18
